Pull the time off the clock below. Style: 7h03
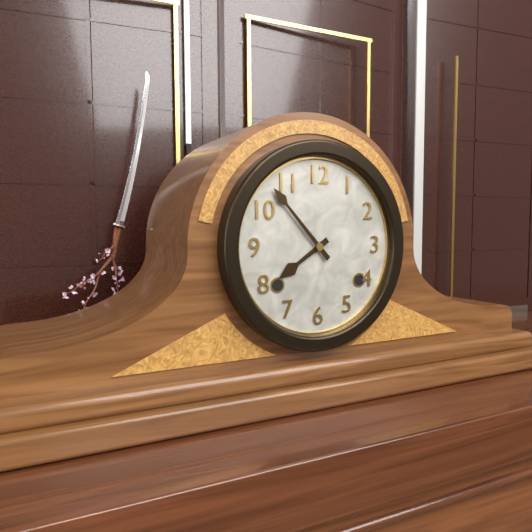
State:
7h53
